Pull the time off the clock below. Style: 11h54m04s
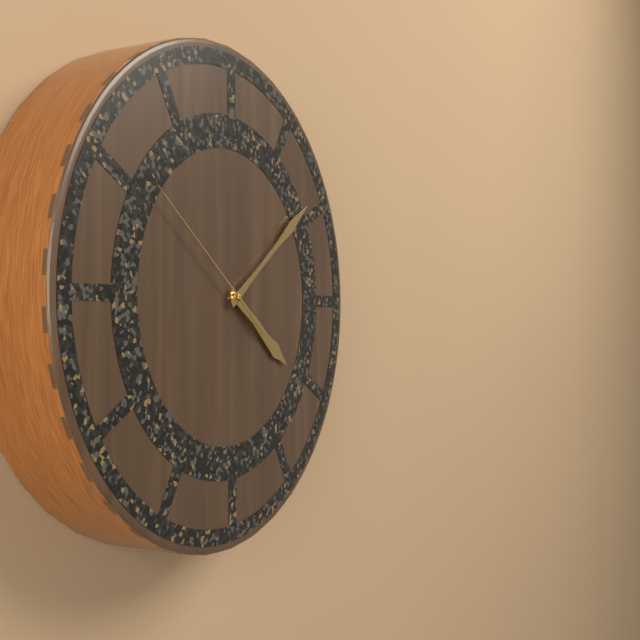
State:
4h09m51s
